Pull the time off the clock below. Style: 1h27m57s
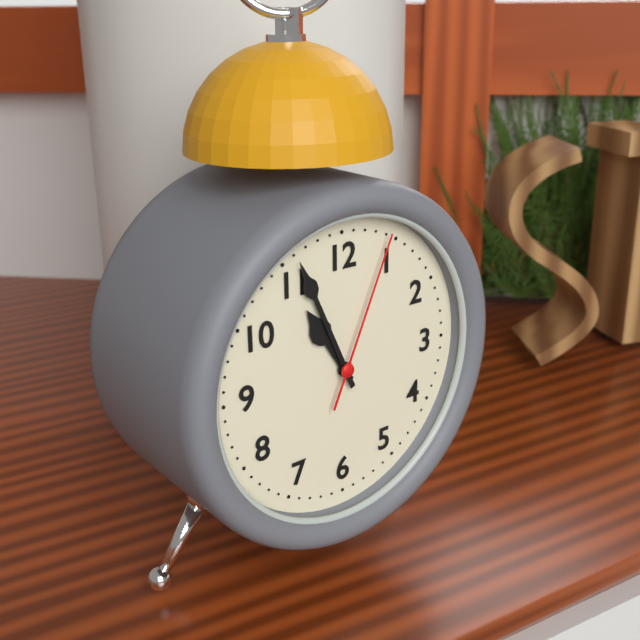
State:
10h56m04s
